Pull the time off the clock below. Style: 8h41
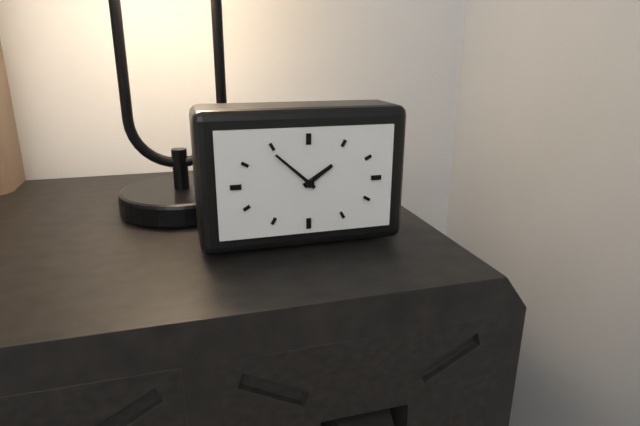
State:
1h52
